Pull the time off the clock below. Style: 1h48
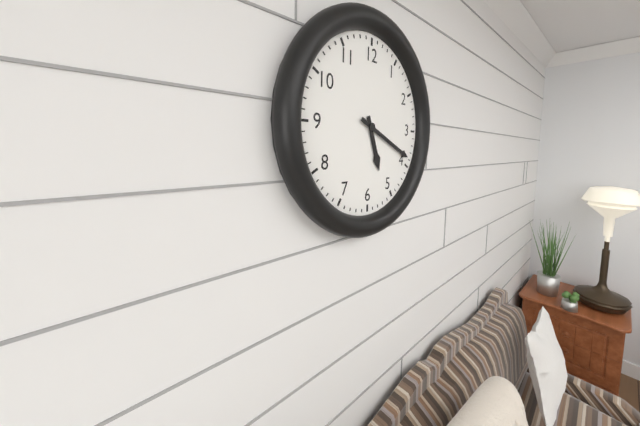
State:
5h19
